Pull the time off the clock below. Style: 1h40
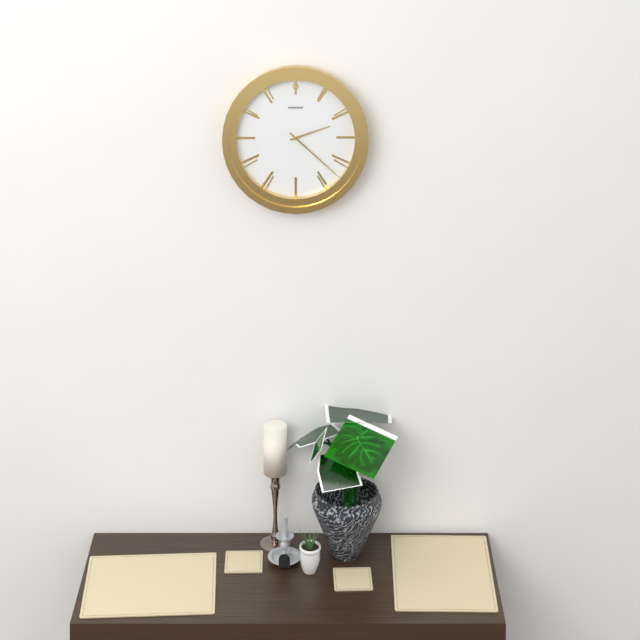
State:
2h22
